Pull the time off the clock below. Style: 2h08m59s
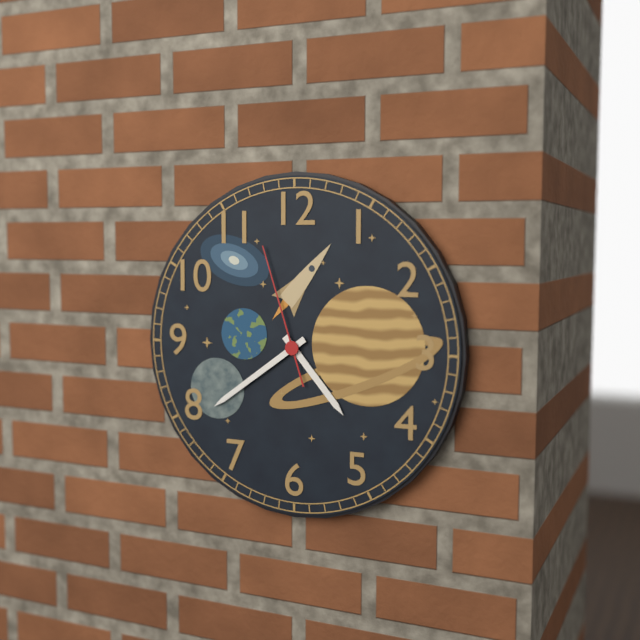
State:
4h39m57s
